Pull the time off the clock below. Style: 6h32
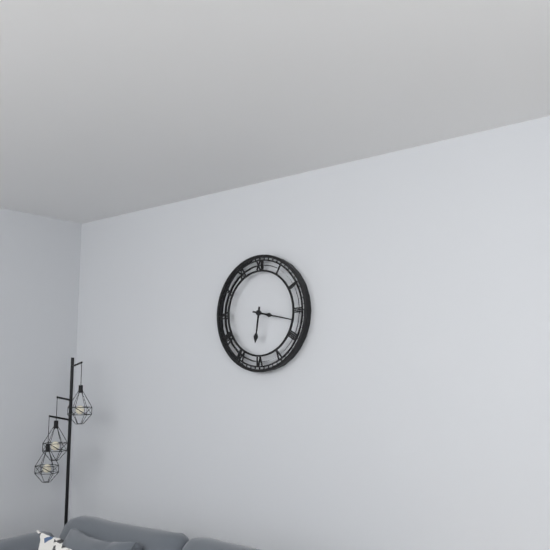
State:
6h17
